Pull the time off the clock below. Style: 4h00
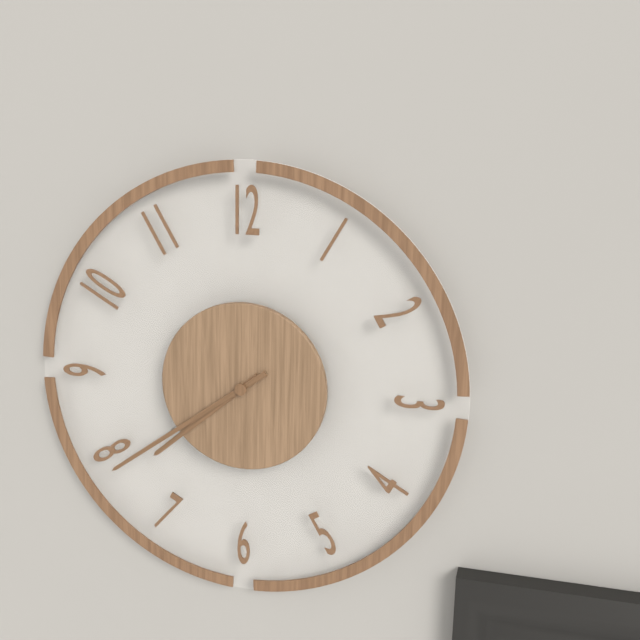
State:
7h39
